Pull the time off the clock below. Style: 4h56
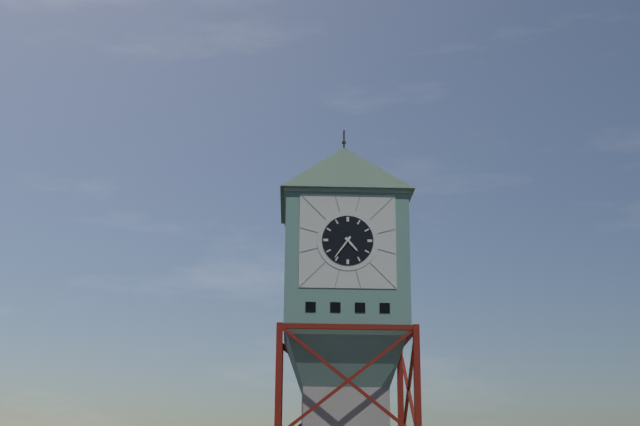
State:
4h36
